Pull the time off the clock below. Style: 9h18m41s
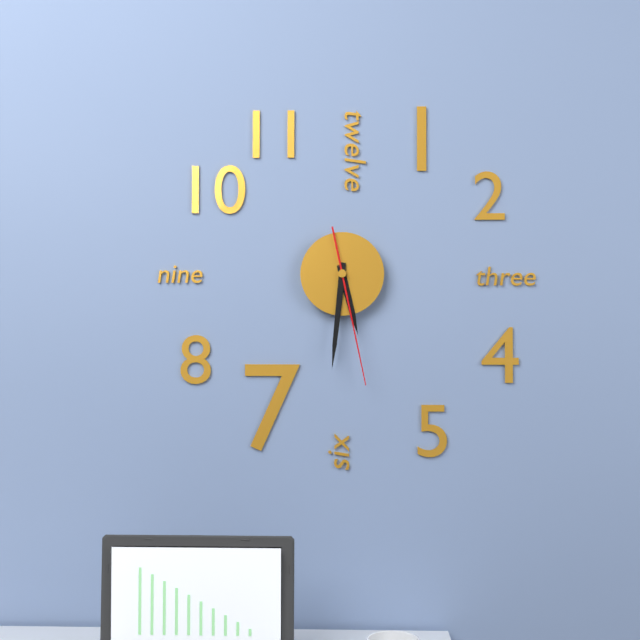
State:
5h31m28s
